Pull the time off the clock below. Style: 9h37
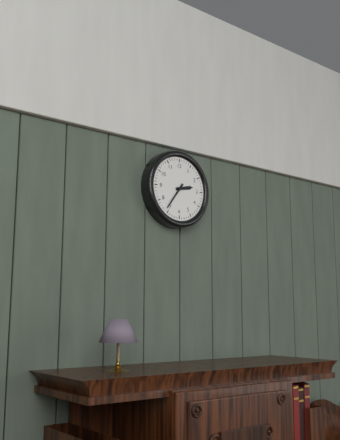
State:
2h36
